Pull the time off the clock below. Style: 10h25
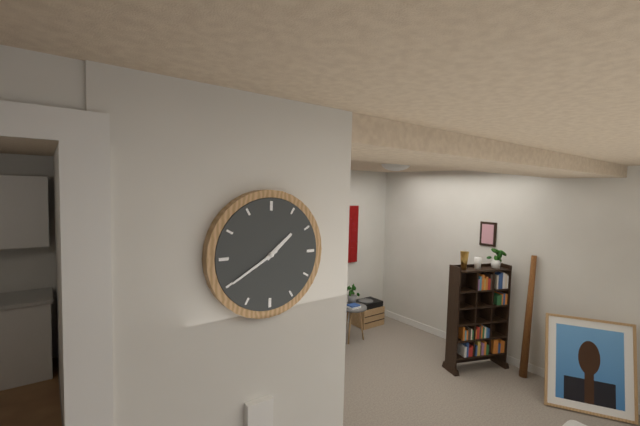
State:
1h40
